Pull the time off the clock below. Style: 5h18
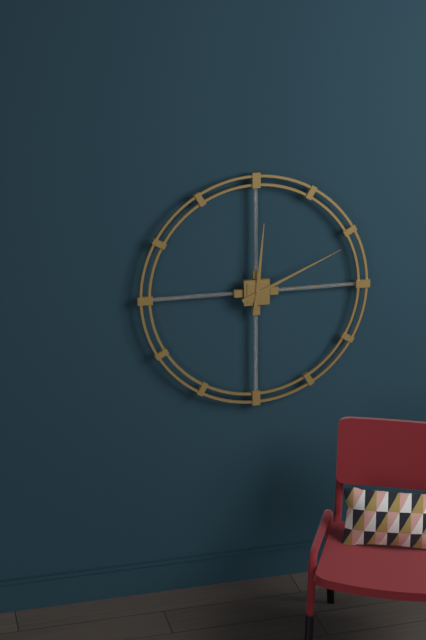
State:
12h11
